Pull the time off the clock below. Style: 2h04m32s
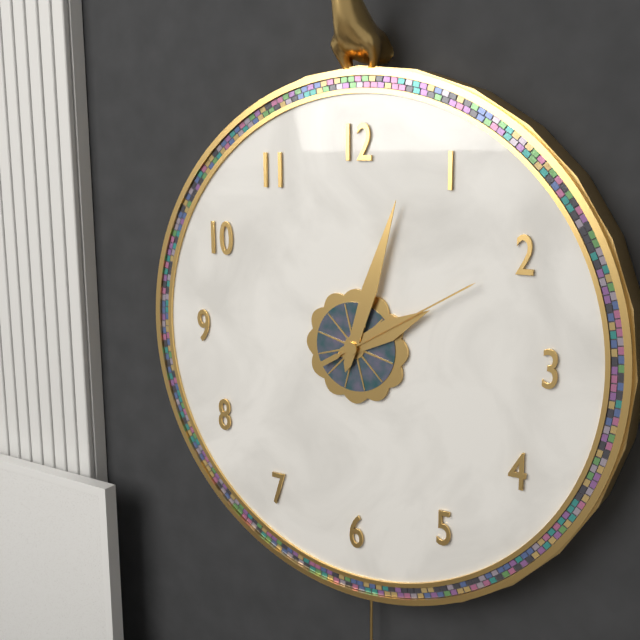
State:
2h03m10s
